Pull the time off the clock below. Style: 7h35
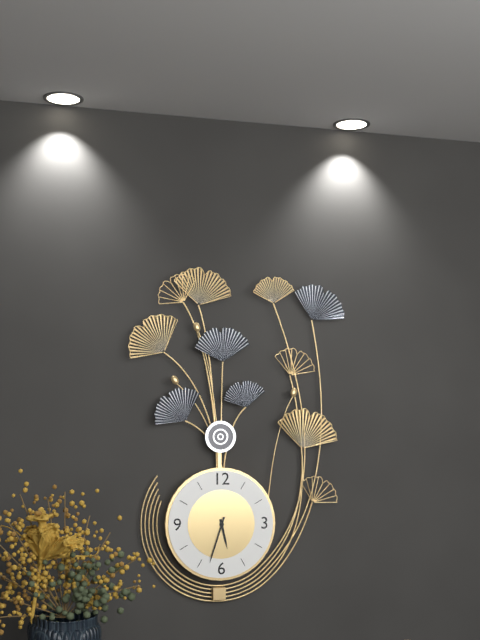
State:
5h33
